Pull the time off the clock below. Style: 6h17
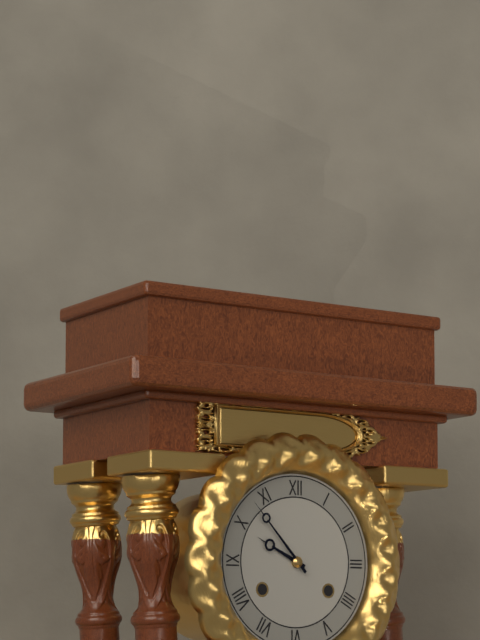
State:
9h53
